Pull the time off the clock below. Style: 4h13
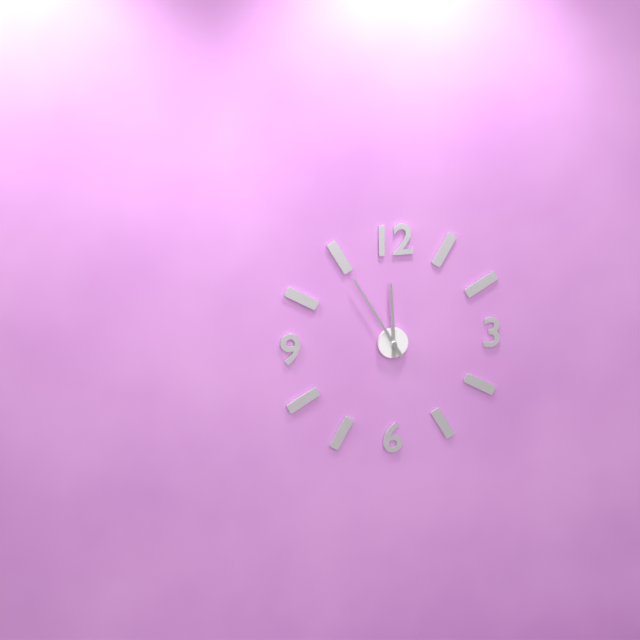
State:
11h55
